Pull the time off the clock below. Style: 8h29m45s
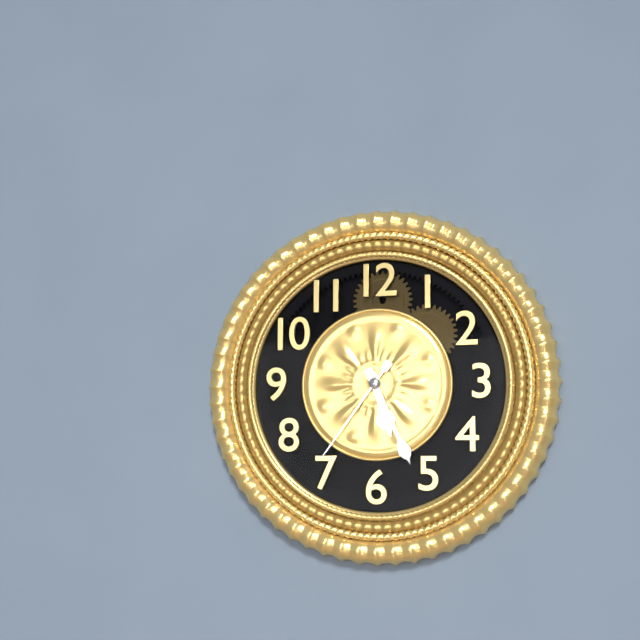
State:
5h26m36s
